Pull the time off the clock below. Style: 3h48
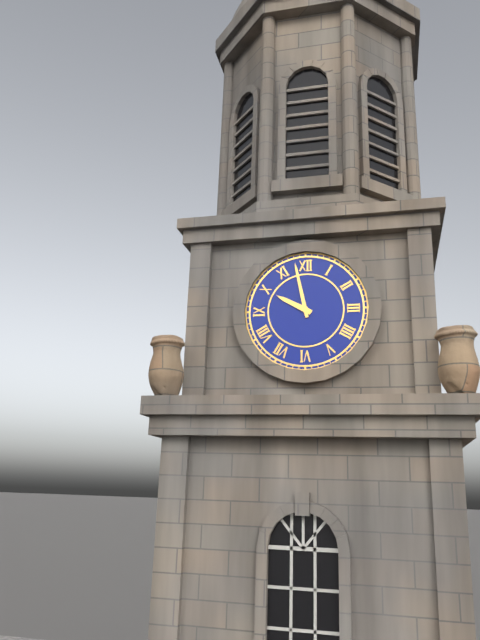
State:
9h58
